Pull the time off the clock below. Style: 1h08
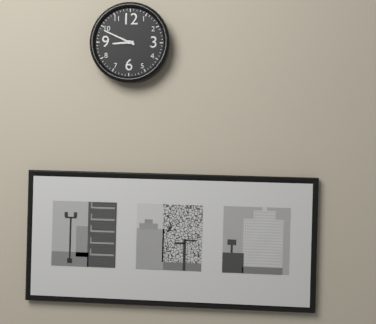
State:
8h49
